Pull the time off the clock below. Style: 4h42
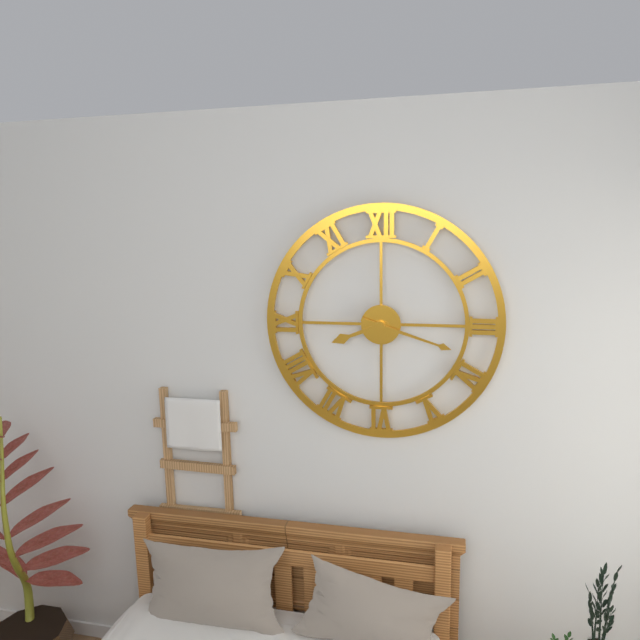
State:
8h18
